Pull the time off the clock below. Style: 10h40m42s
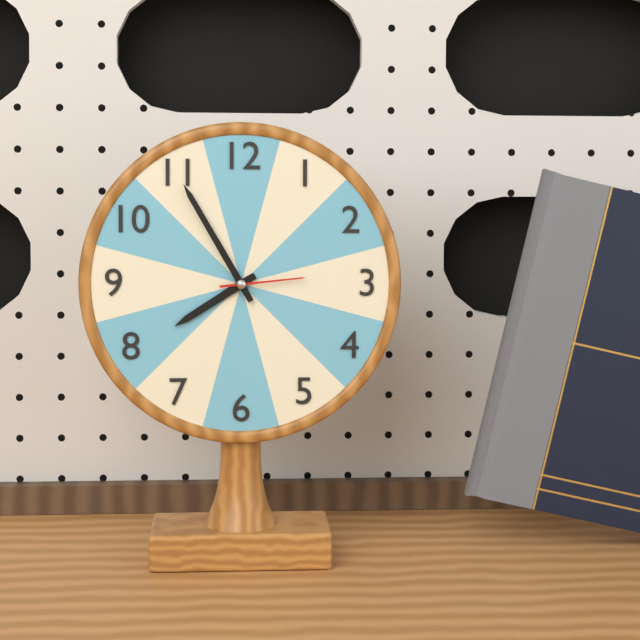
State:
7h55m14s
